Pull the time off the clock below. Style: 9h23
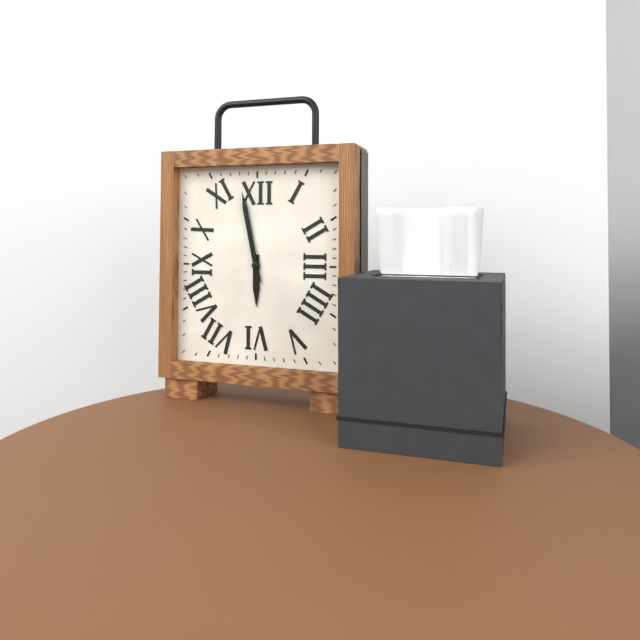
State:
5h58
